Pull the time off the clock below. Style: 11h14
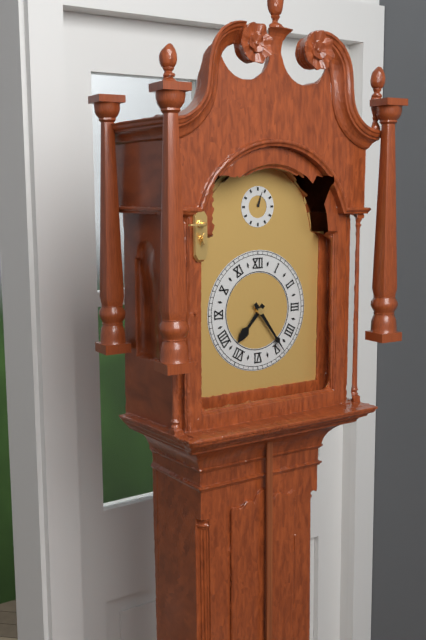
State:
7h24
